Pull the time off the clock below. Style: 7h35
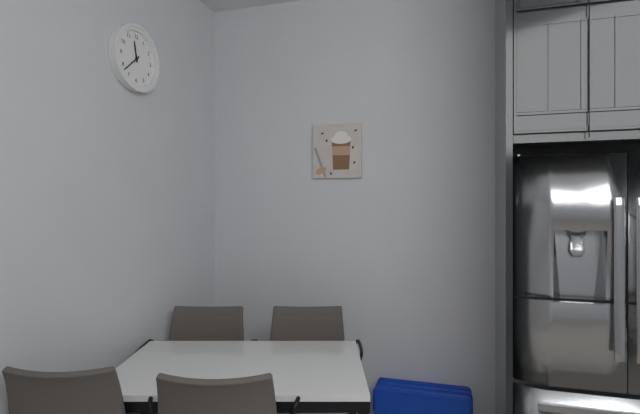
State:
11h38
